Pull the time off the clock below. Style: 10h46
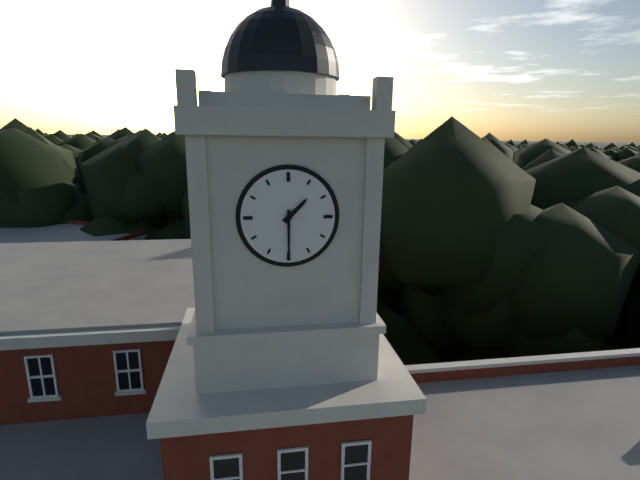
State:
1h30
